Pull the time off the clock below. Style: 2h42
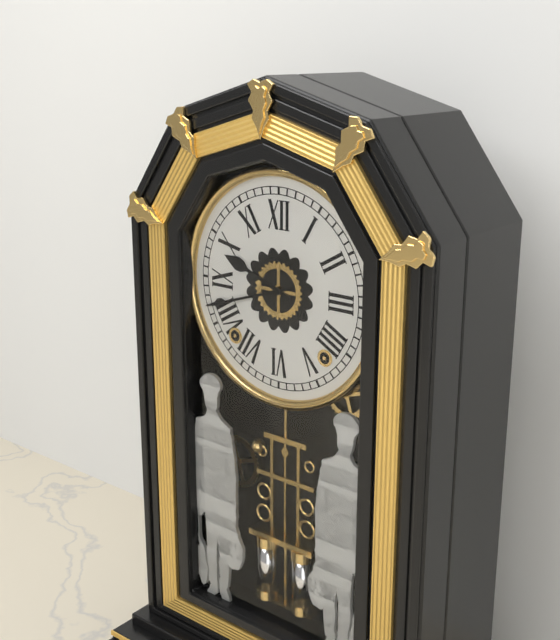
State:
9h42
